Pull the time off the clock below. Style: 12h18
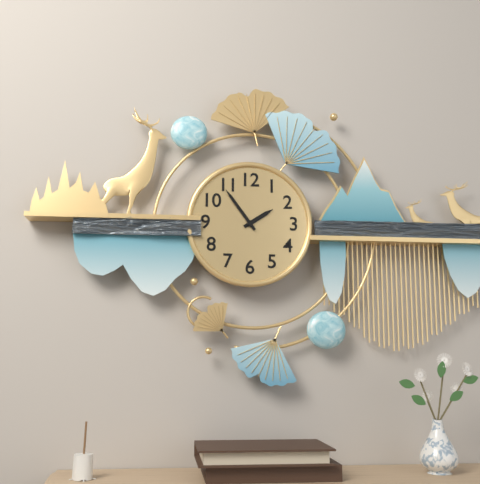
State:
1h54
